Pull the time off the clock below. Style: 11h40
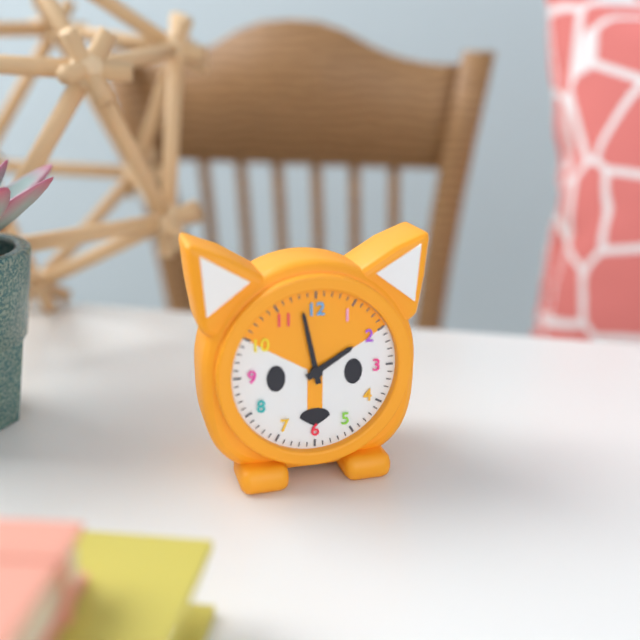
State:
1h58
